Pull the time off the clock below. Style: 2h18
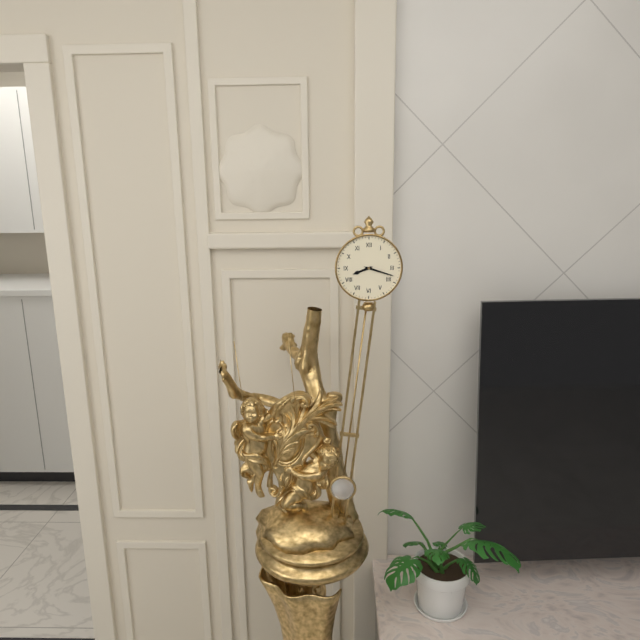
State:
8h18
